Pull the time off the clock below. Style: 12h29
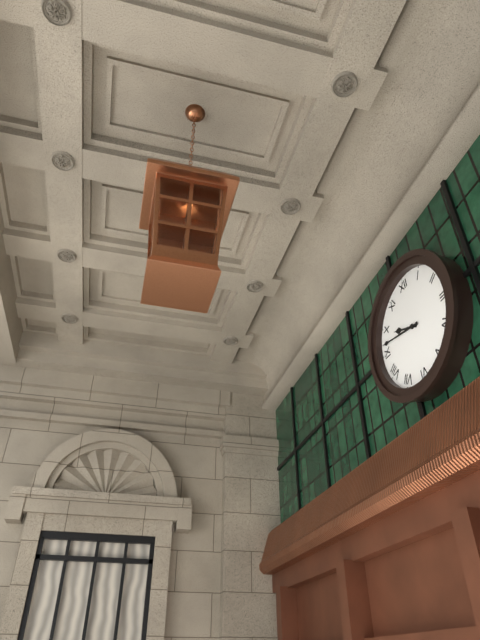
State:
9h47
